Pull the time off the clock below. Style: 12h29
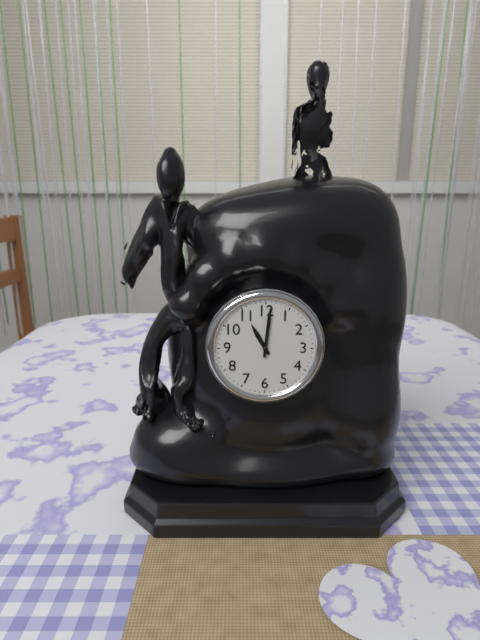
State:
11h01
